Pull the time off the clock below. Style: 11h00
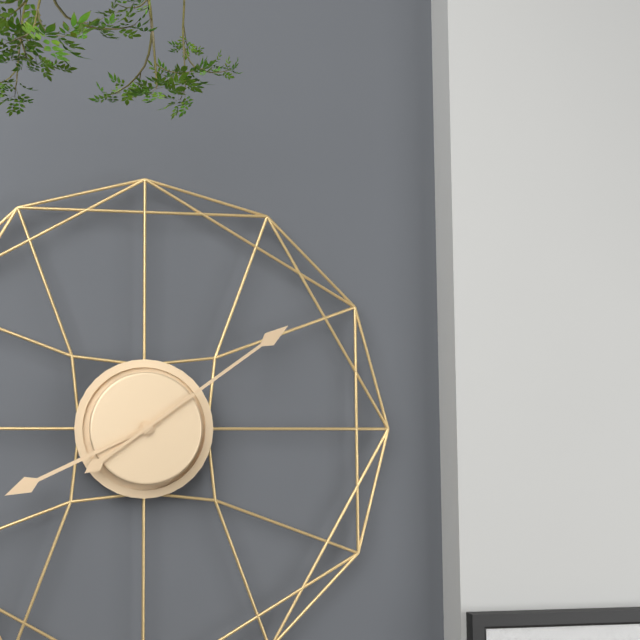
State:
8h09
